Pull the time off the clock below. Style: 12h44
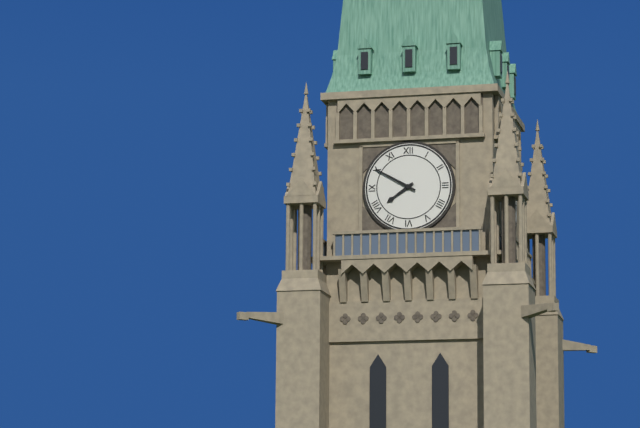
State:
7h50
